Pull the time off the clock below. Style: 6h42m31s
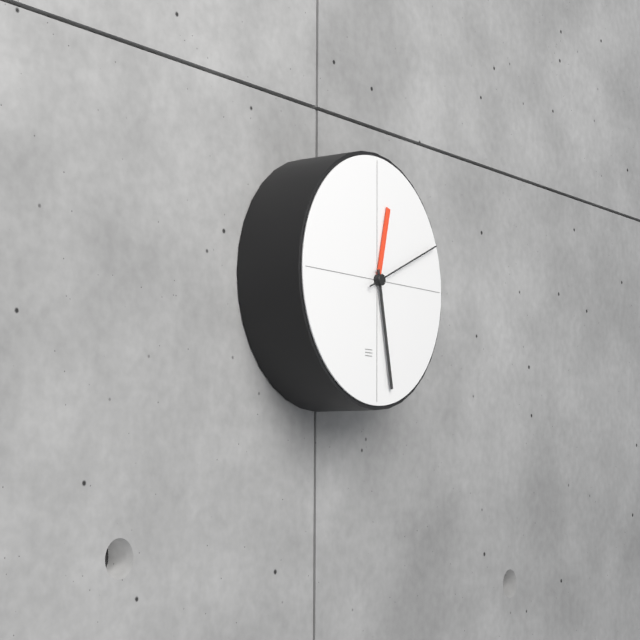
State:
12h28m11s
